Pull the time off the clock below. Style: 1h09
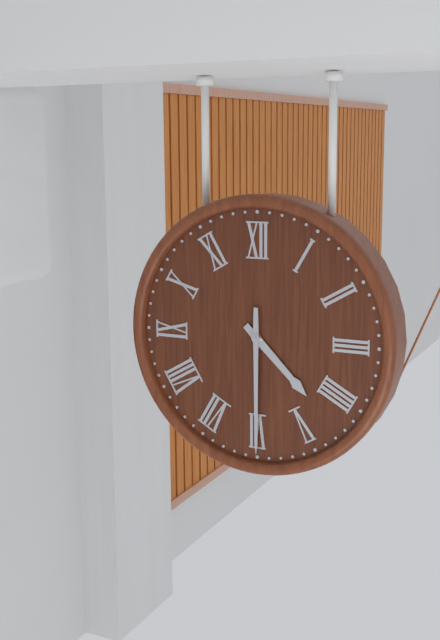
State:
4h30
